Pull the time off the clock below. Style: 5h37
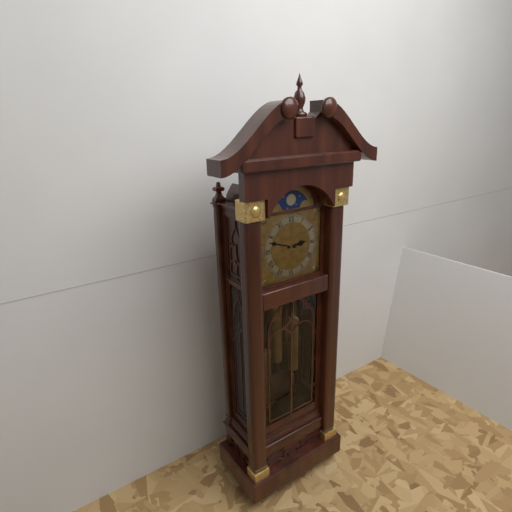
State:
2h48
